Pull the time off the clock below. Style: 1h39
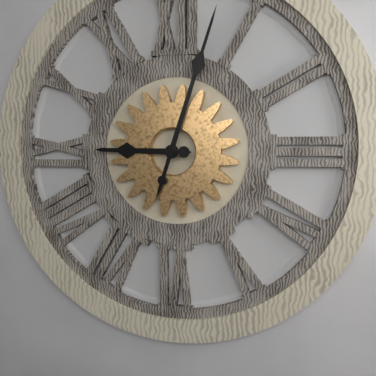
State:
9h03
